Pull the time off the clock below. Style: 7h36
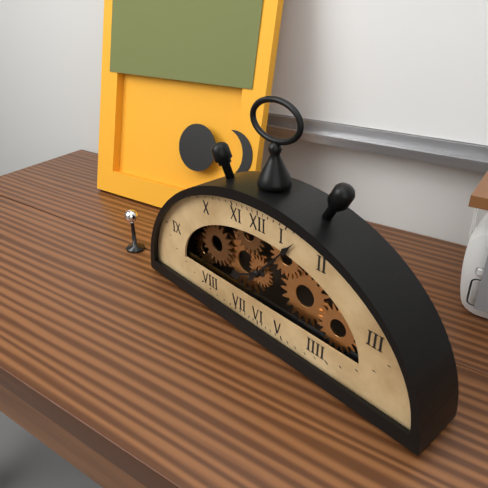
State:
8h07
